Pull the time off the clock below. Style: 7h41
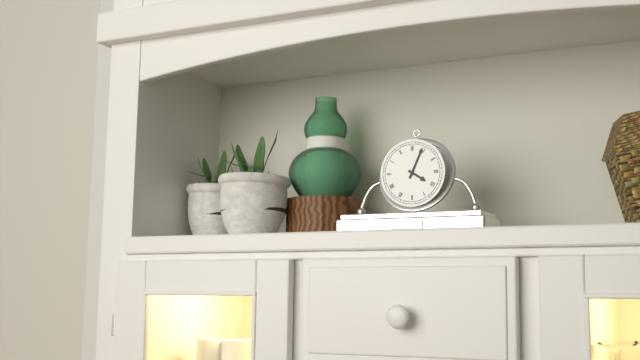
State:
4h04
